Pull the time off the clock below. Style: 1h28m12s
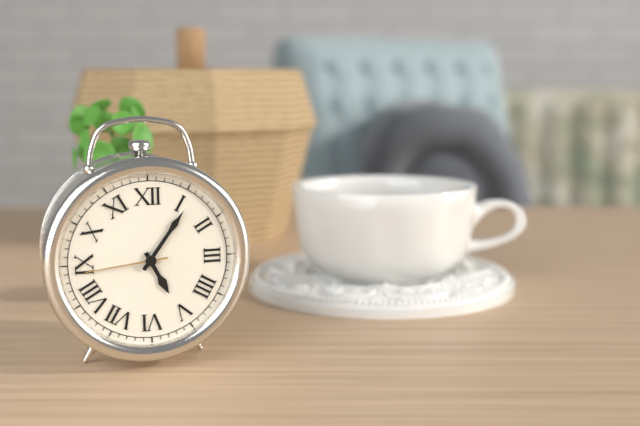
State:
5h06m44s
